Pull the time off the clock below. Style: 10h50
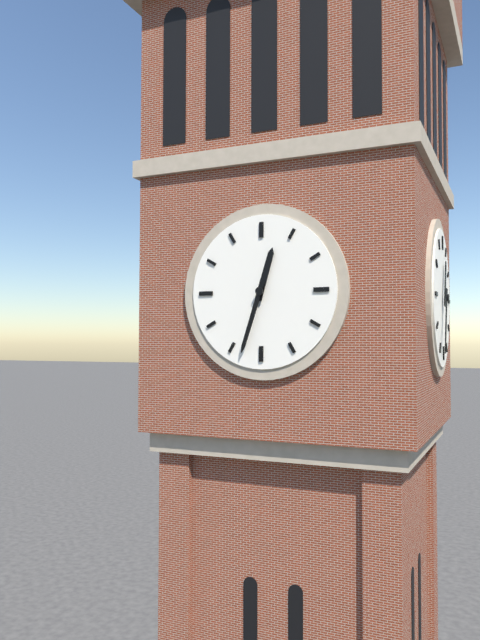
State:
12h33
